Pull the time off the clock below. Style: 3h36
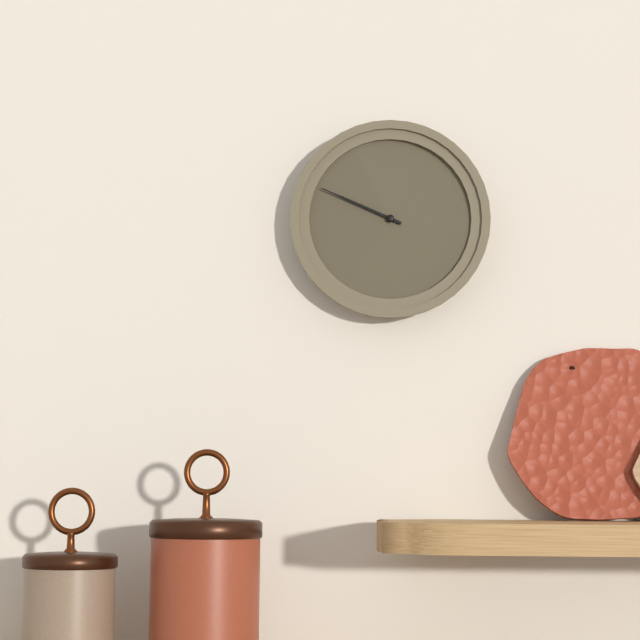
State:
9h49
